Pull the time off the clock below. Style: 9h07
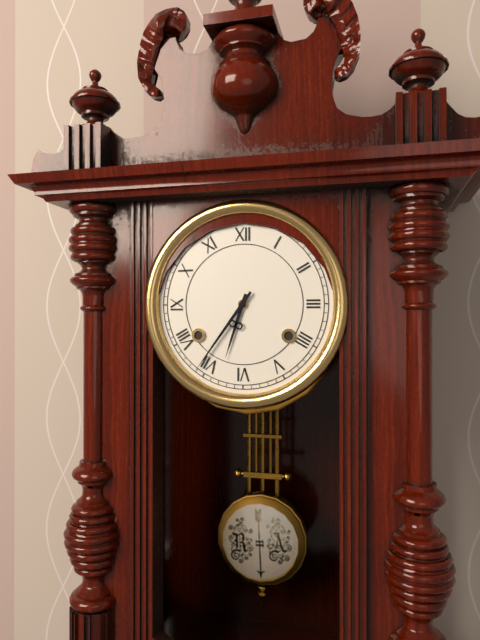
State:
6h36
